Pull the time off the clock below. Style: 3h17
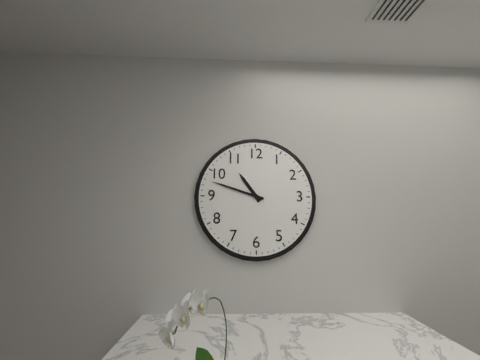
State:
10h48
